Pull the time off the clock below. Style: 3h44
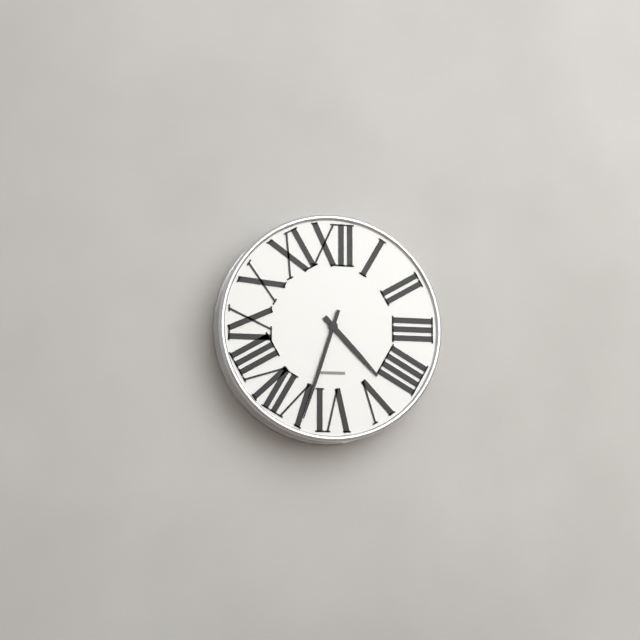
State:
4h33
